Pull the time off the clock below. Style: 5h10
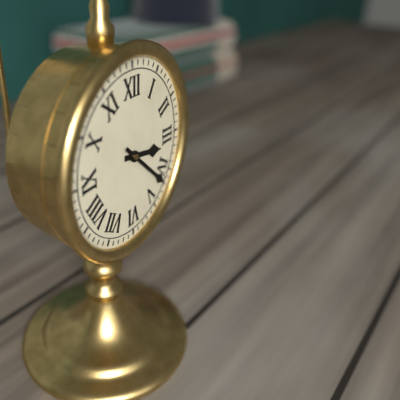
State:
3h22
